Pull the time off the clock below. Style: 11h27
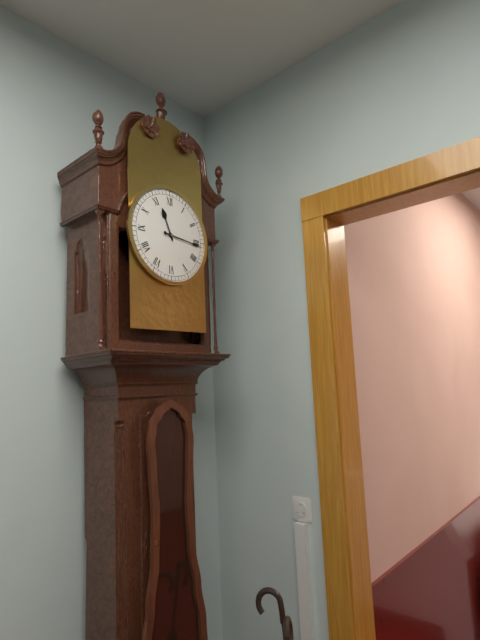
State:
11h16
